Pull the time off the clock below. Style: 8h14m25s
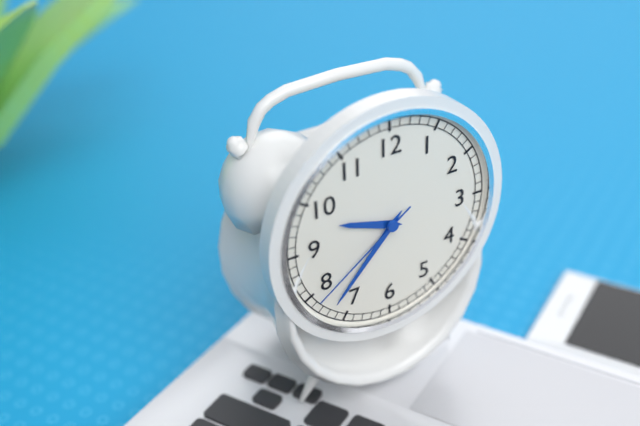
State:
9h37m39s
